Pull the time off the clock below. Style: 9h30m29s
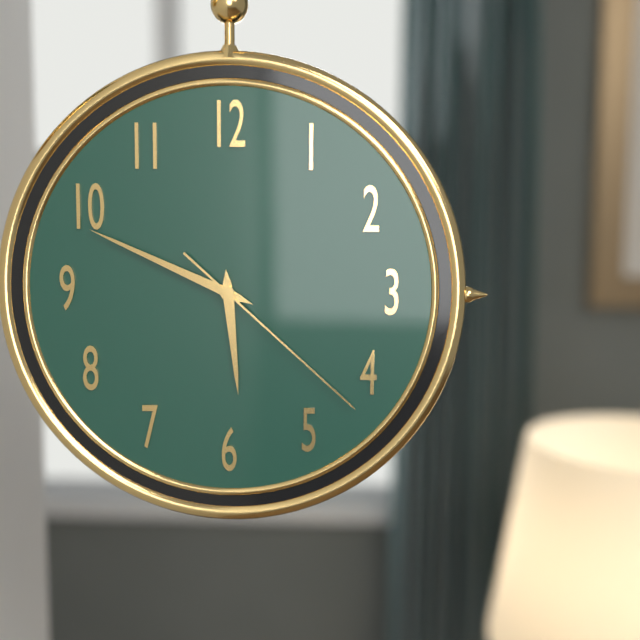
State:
5h49m22s
